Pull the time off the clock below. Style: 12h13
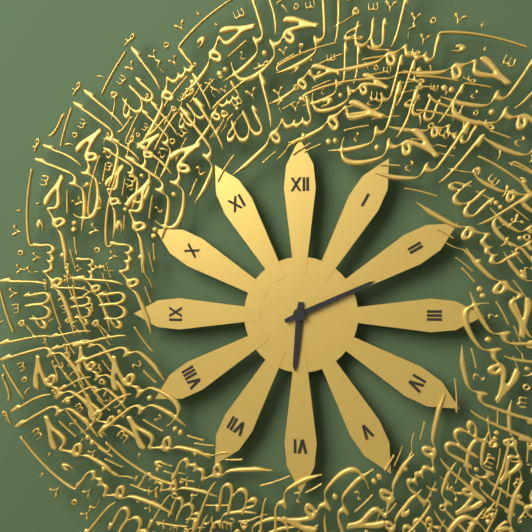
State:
6h11
